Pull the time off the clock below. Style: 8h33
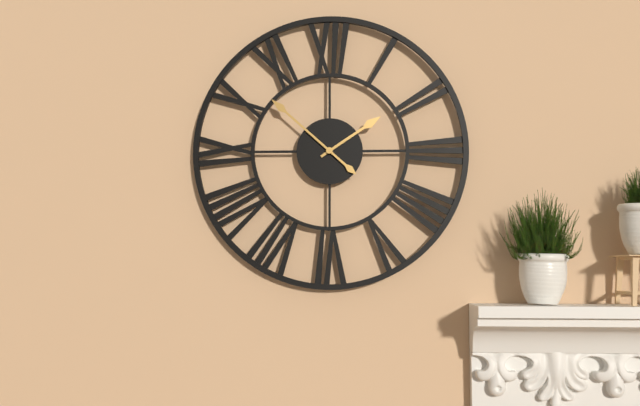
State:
1h52
